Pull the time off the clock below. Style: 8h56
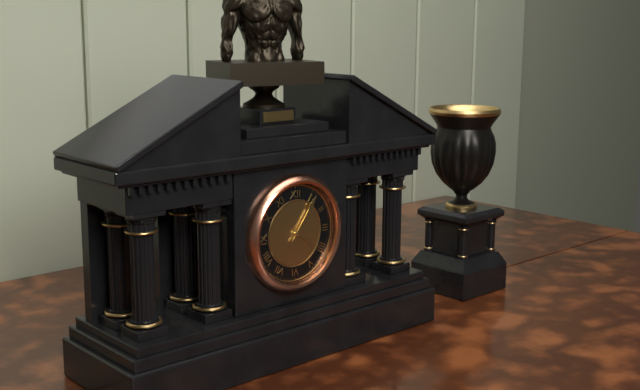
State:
4h06
